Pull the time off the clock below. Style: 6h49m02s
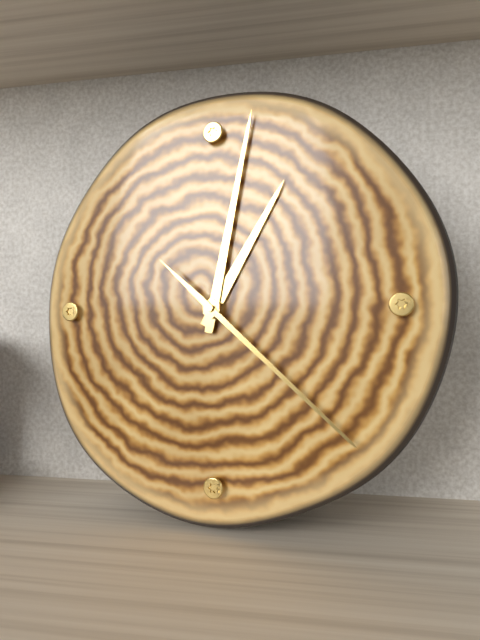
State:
1h02m22s
